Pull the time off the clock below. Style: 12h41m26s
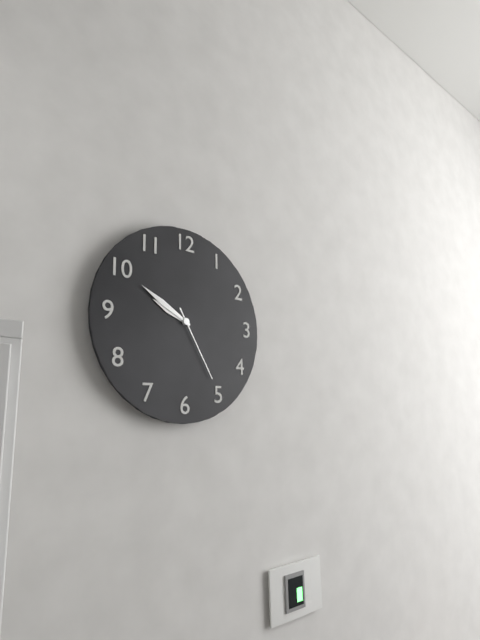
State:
9h50m25s
